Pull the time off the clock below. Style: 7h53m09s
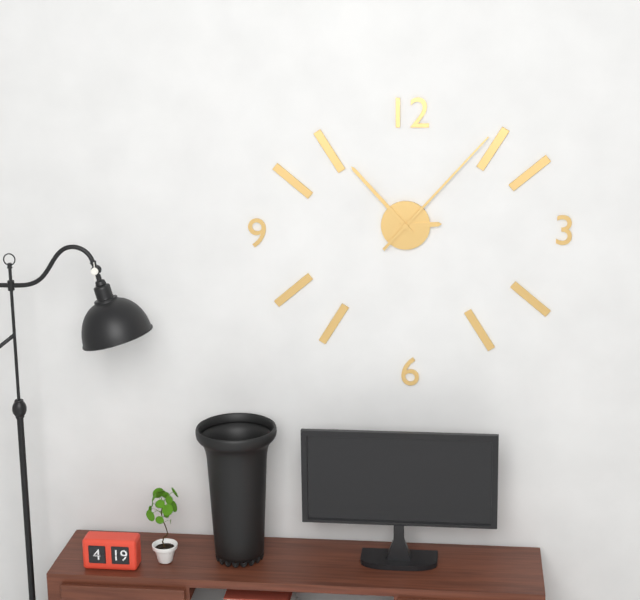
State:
2h53m07s
